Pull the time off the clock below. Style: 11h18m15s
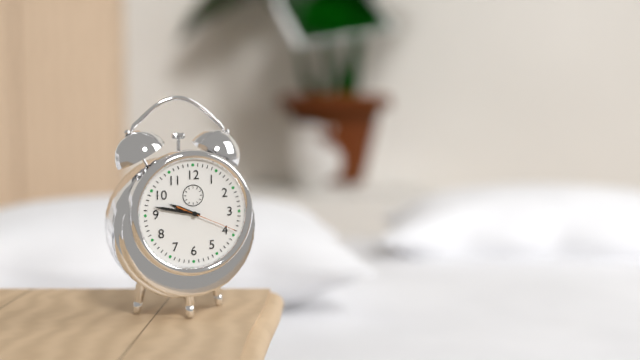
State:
9h47m19s
